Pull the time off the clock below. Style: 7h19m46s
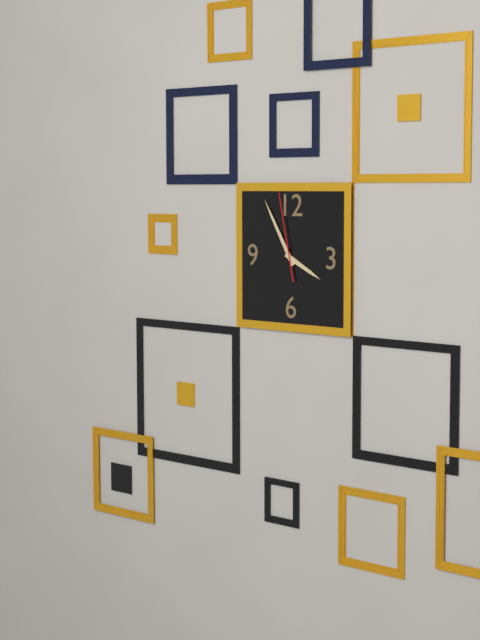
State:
3h55m58s
